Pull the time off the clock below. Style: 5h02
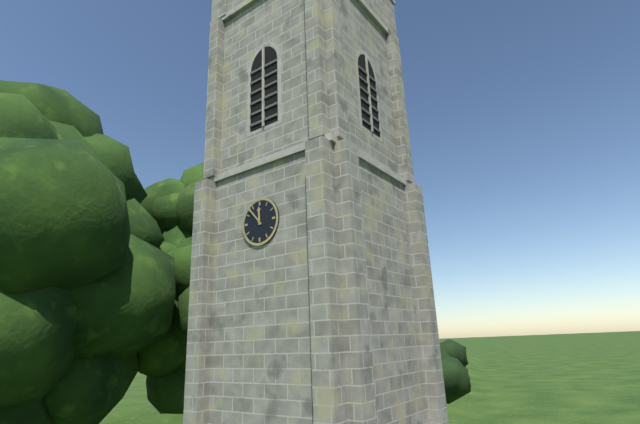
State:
11h53
